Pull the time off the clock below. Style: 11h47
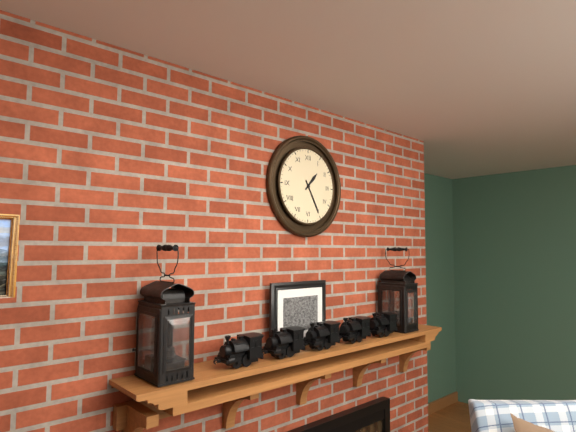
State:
1h25
